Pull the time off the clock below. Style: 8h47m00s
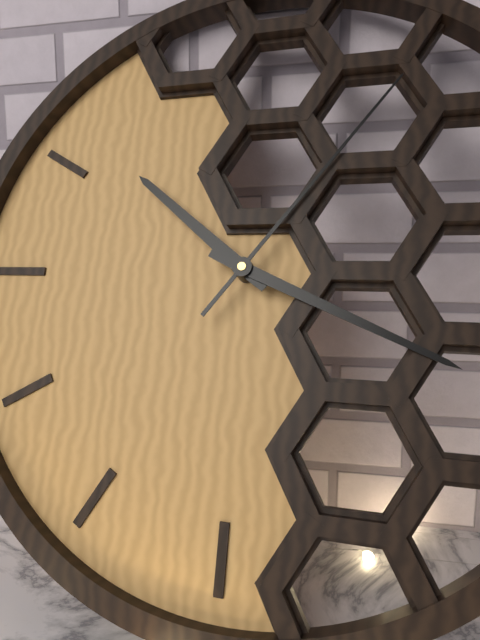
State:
10h19m06s
